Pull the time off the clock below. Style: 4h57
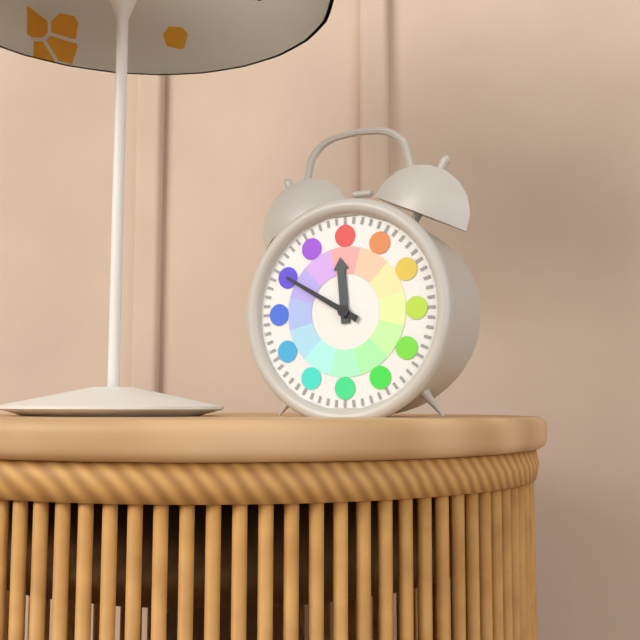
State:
11h50
